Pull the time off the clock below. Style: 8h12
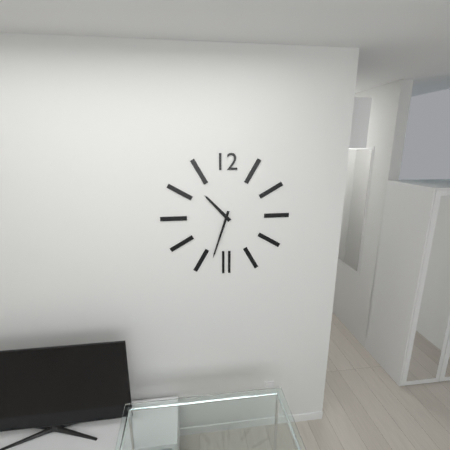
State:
10h33
